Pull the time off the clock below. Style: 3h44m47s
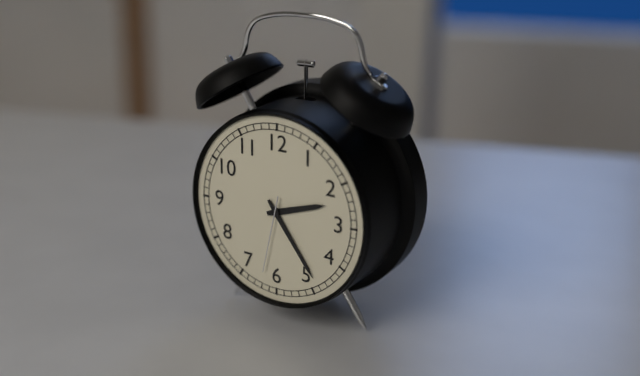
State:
2h24m32s
